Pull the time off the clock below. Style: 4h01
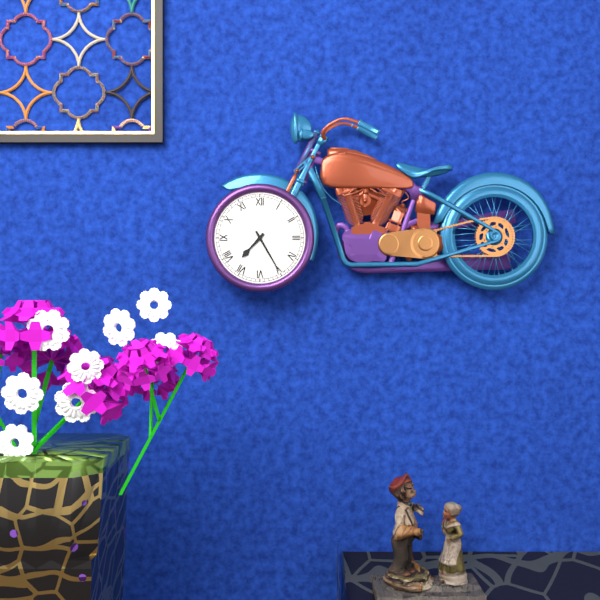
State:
7h25
